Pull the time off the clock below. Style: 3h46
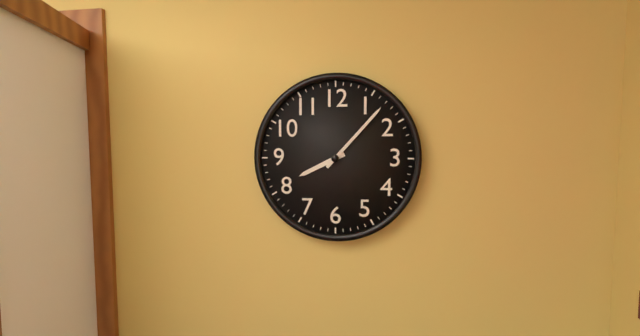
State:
8h07
